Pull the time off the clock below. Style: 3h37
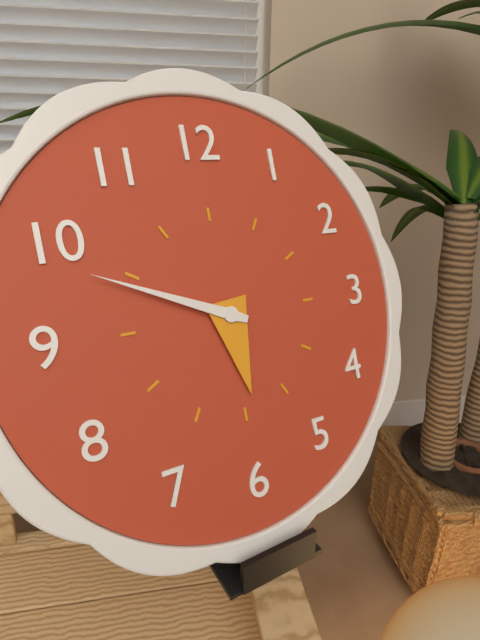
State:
5h49
